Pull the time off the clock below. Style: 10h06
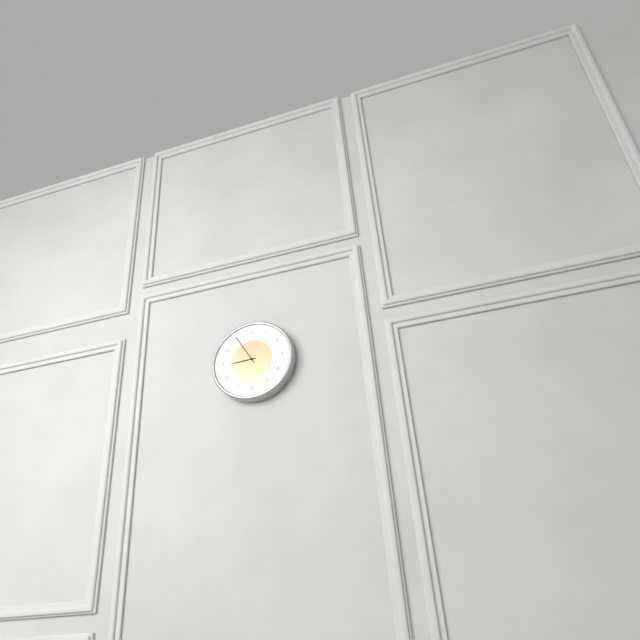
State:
8h55
